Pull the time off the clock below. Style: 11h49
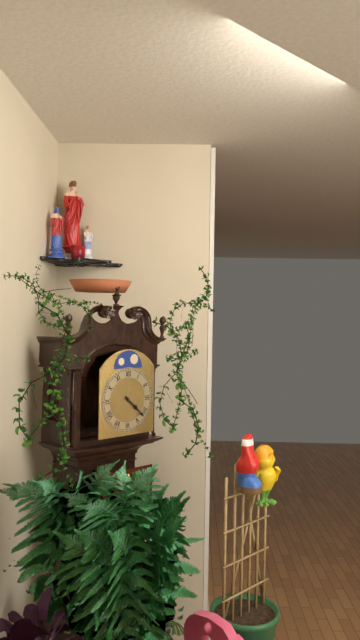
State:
4h22
